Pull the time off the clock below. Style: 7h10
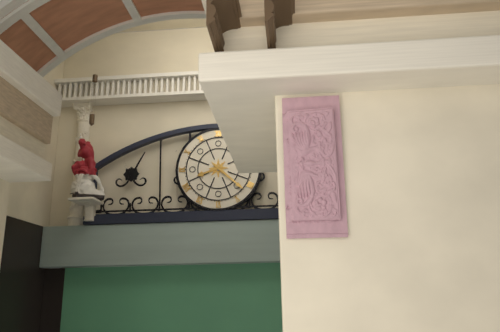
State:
8h22
